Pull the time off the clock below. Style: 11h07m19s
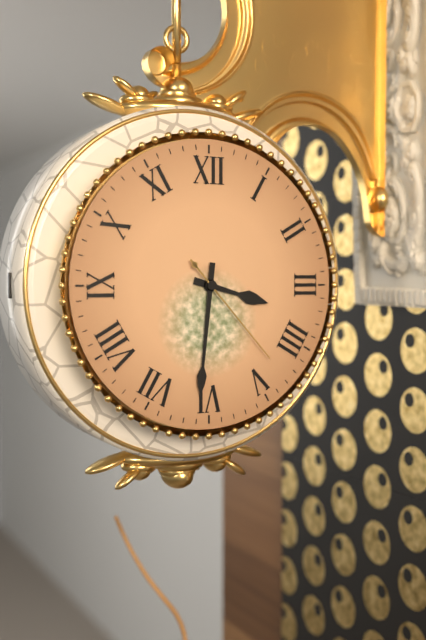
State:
3h31m23s
